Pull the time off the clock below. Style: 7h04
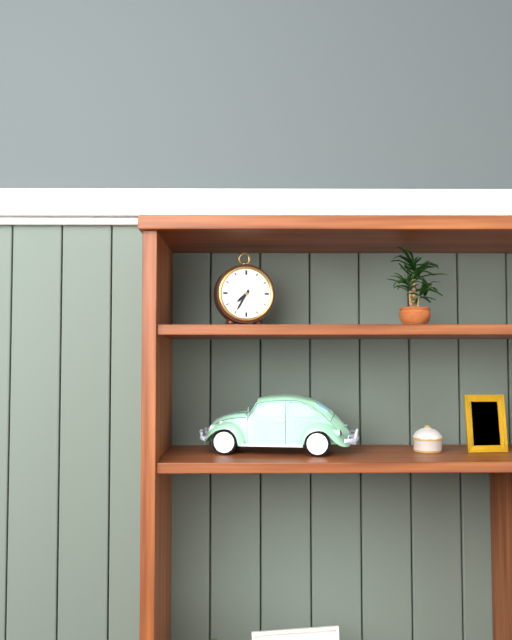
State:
7h35
